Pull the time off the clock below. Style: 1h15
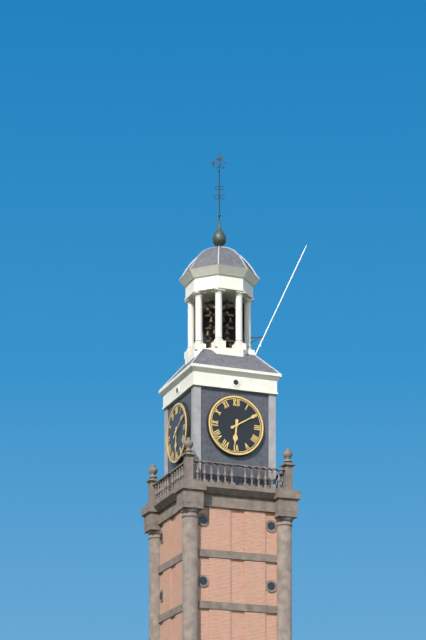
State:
6h10
